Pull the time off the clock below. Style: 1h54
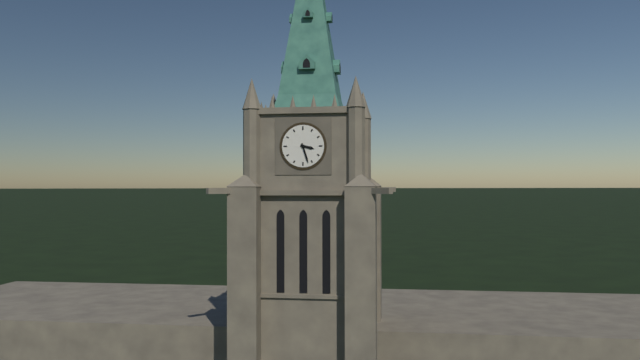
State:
3h27
